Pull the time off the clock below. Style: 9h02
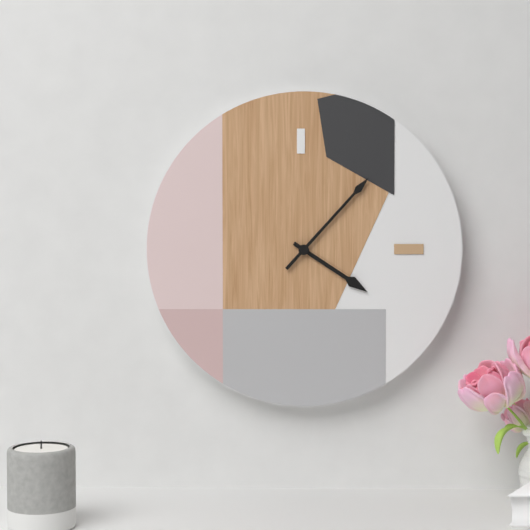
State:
4h07
